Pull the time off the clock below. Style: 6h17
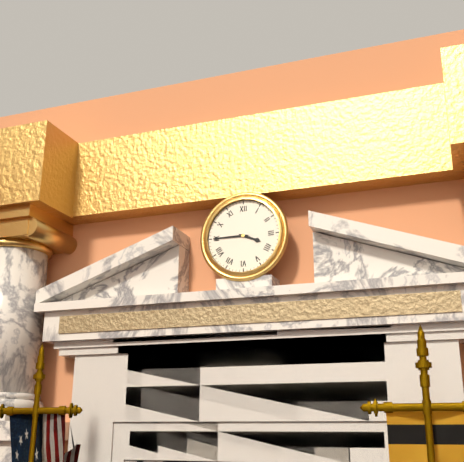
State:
3h45
